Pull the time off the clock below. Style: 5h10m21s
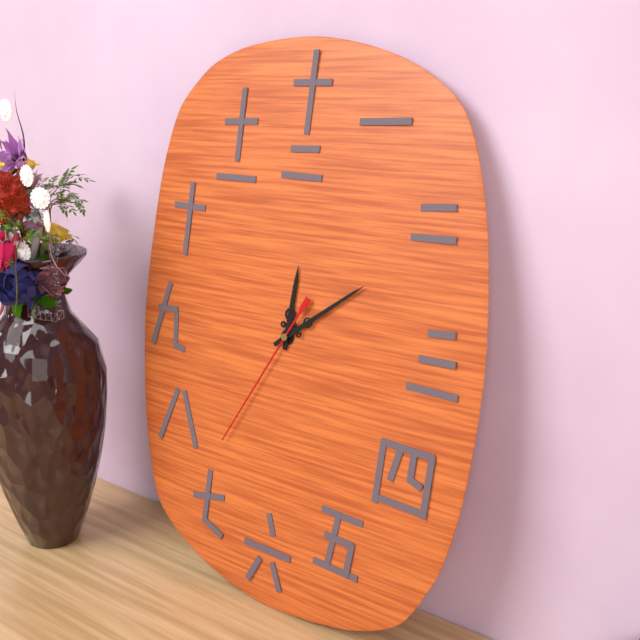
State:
12h09m35s
